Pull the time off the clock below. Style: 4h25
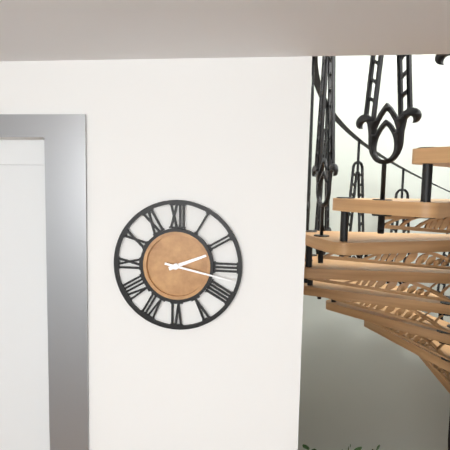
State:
2h17
